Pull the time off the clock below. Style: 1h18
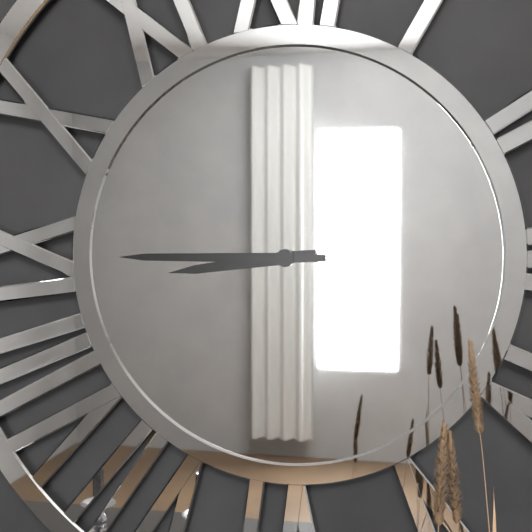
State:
8h45
